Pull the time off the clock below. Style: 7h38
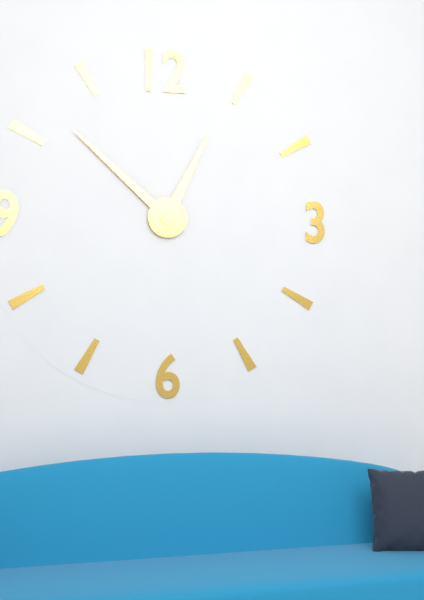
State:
12h52
